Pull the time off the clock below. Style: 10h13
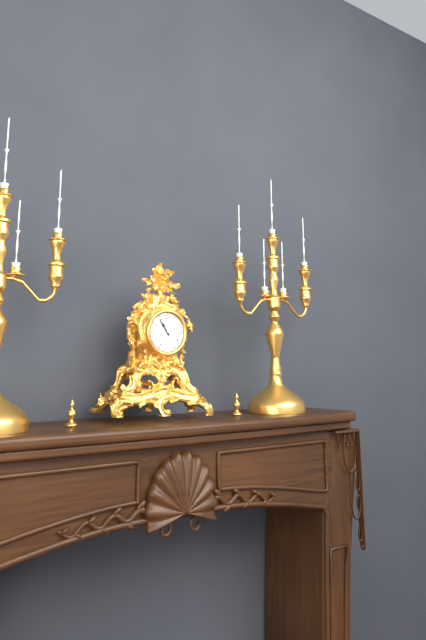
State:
10h54
